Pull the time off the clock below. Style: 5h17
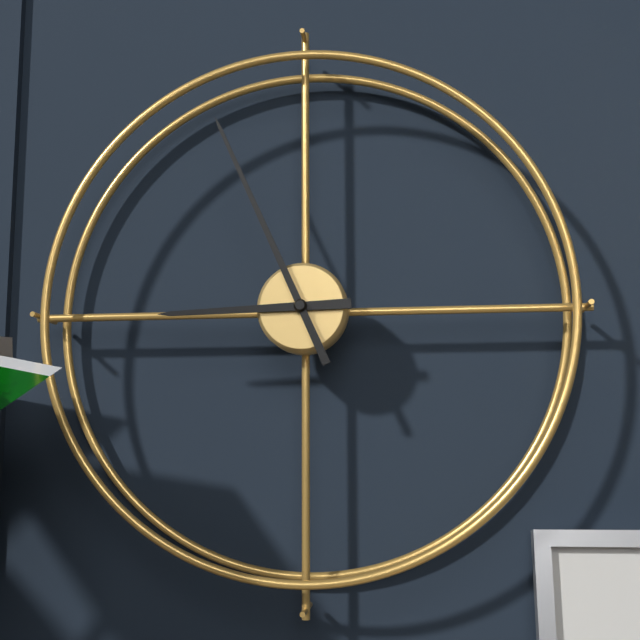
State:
8h56
